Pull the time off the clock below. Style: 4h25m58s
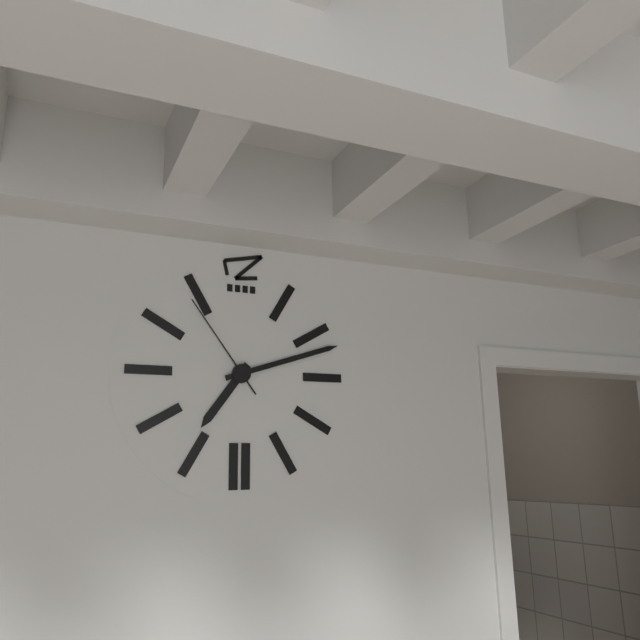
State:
7h12m54s
